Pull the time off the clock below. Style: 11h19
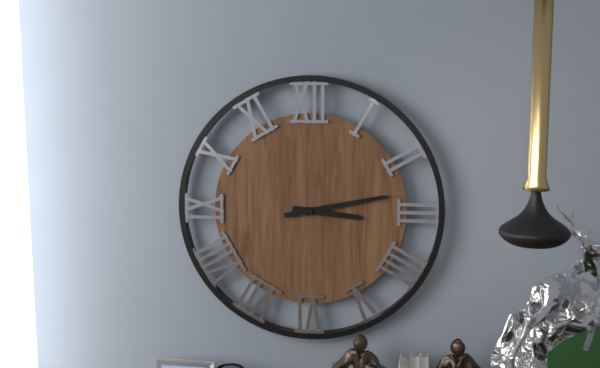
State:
3h13
